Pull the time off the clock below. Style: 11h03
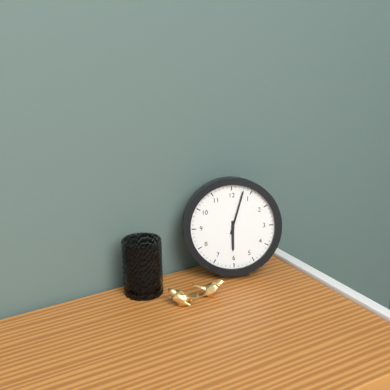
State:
6h03
